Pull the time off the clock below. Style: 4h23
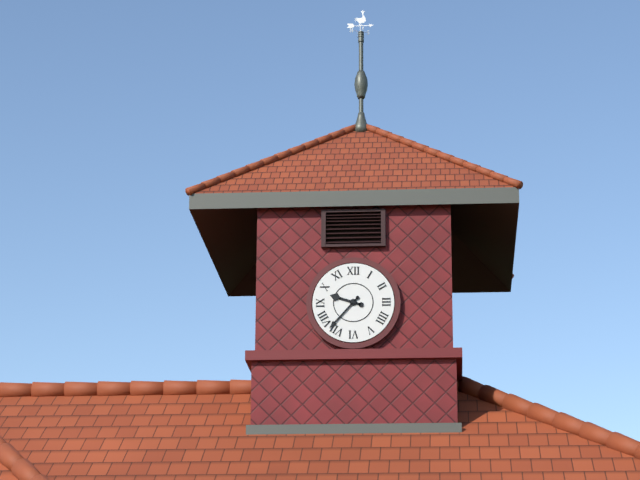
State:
9h37
